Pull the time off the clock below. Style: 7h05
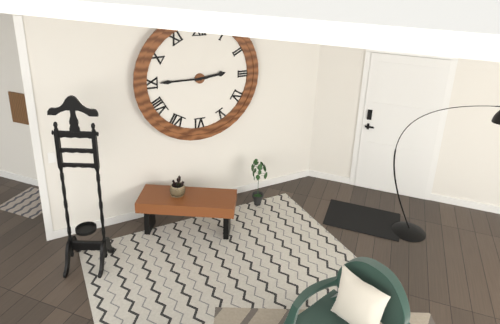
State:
2h45
